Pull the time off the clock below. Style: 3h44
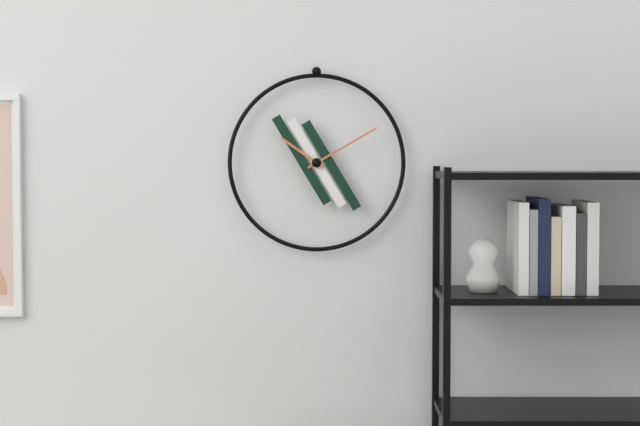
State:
10h10
